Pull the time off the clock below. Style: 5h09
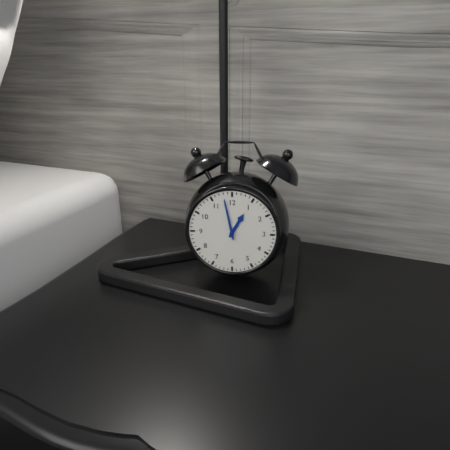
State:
12h58
